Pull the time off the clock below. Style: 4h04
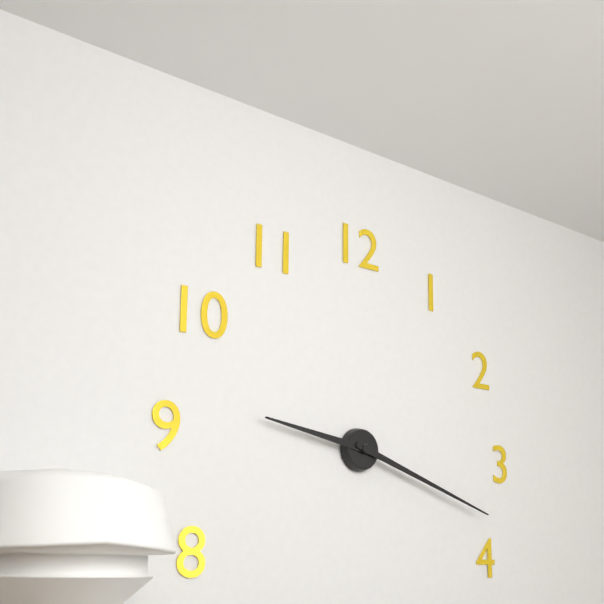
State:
9h18
